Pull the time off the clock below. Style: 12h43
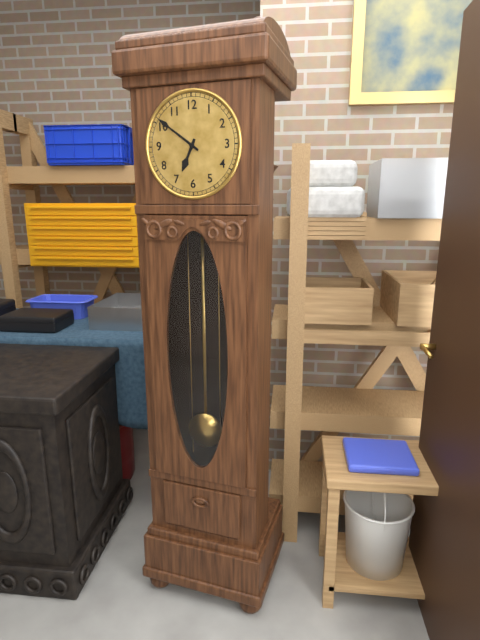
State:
6h51
